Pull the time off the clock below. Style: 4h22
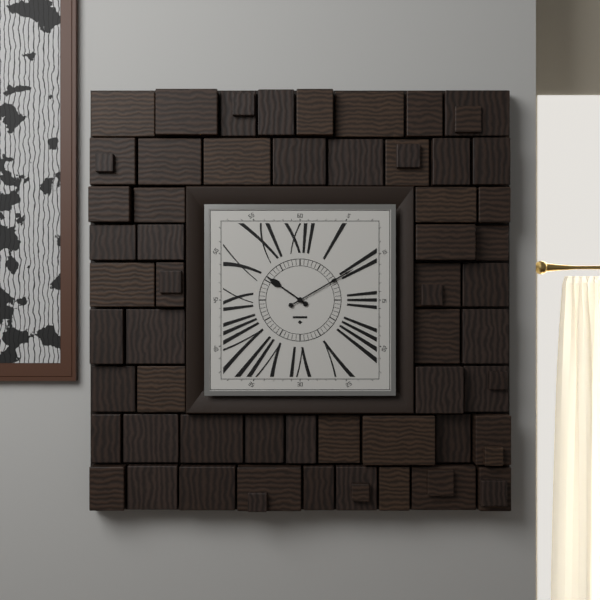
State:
10h10
